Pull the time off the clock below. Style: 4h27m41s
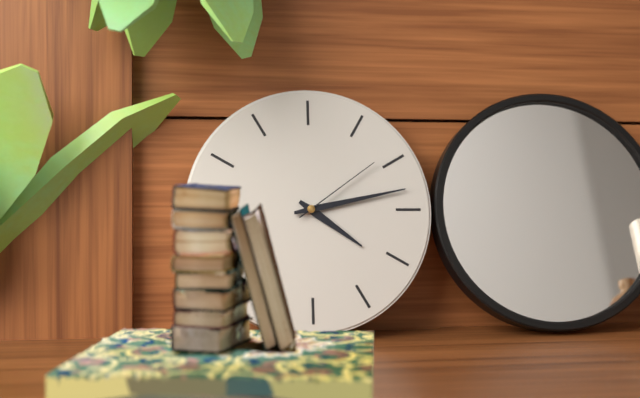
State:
4h13m09s
